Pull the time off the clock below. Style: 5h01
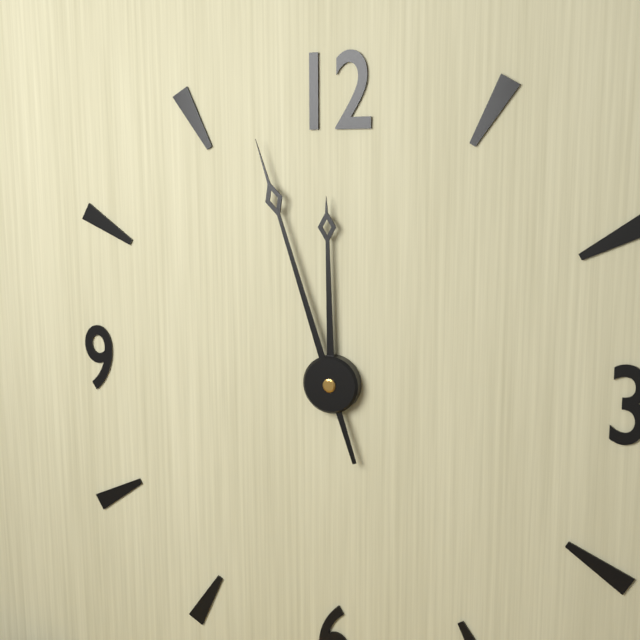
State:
11h57
